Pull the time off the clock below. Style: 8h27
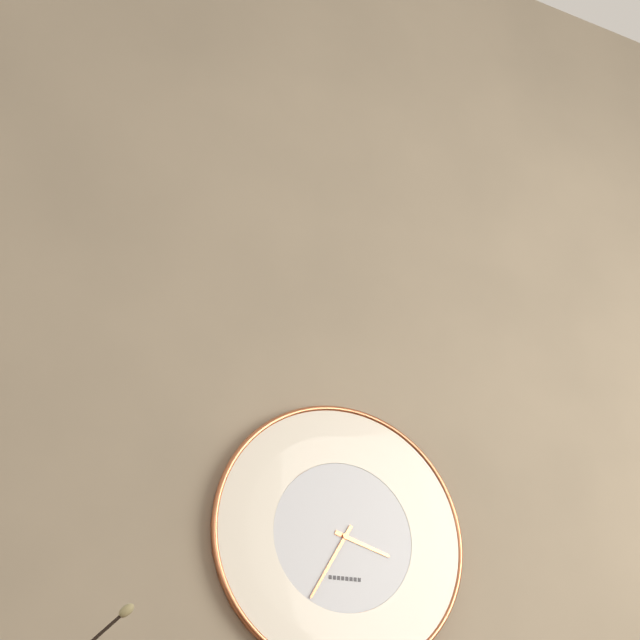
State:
3h35
